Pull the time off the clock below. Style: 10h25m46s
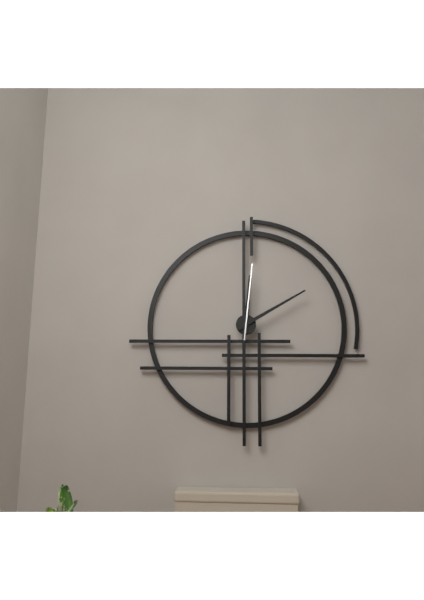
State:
12h10m01s
